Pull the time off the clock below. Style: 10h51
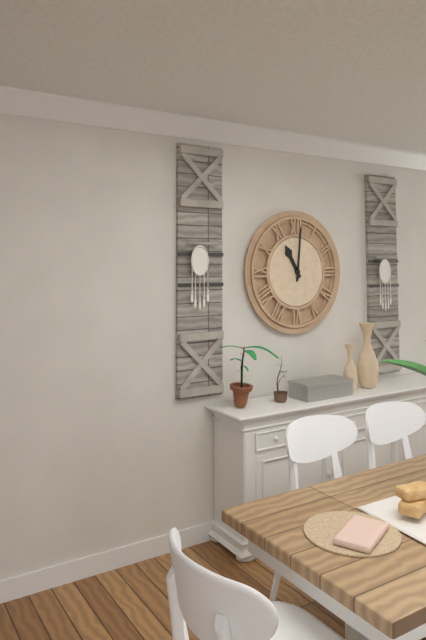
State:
11h01
